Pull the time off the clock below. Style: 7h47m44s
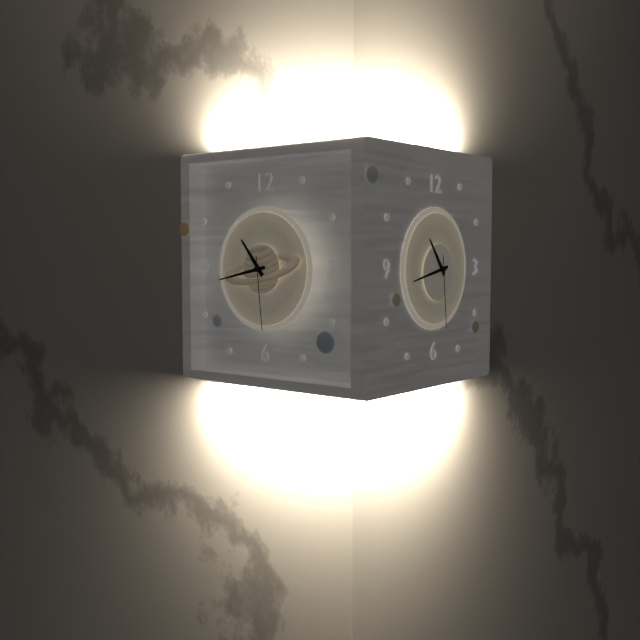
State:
10h43m29s
